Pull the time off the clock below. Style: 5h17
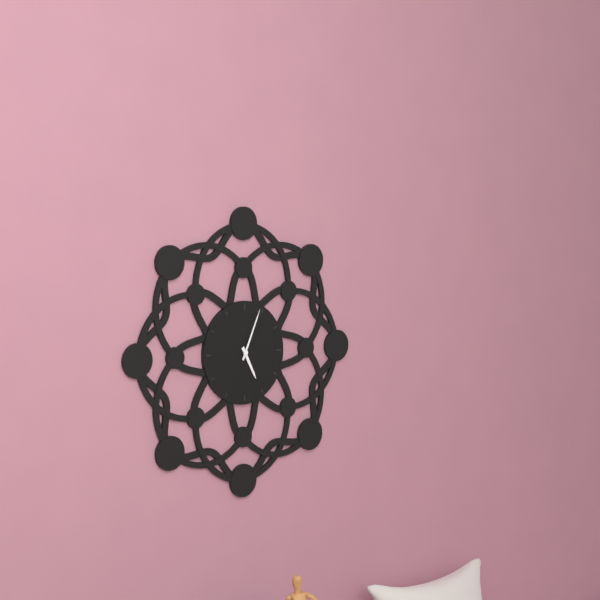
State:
5h04
